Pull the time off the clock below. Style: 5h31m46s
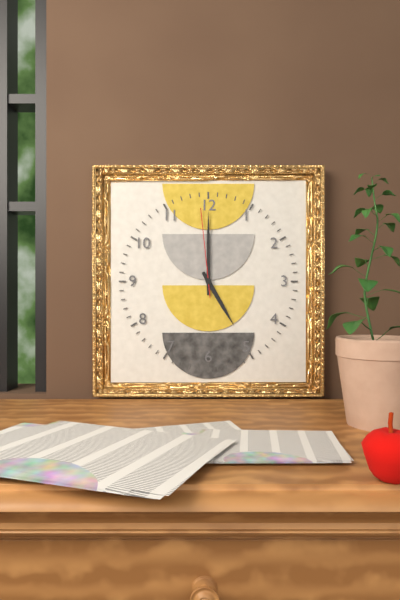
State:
5h00m59s
